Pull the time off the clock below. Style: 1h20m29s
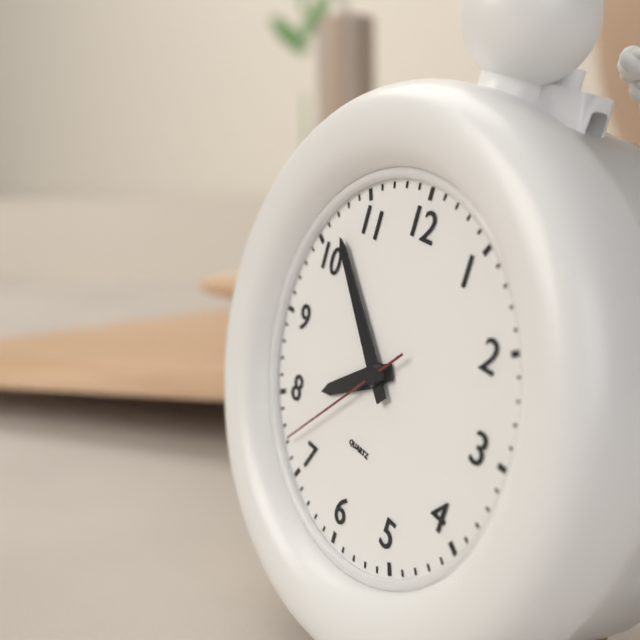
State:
7h52m37s
